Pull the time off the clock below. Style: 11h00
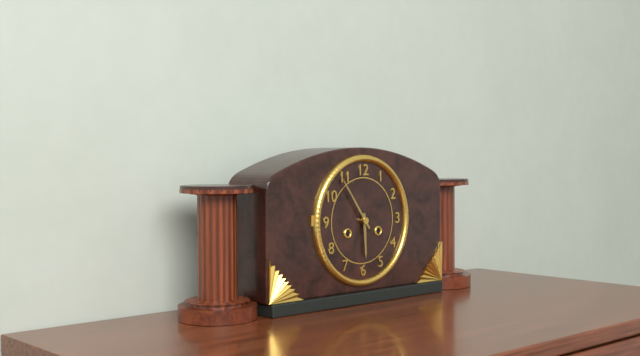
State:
5h54
